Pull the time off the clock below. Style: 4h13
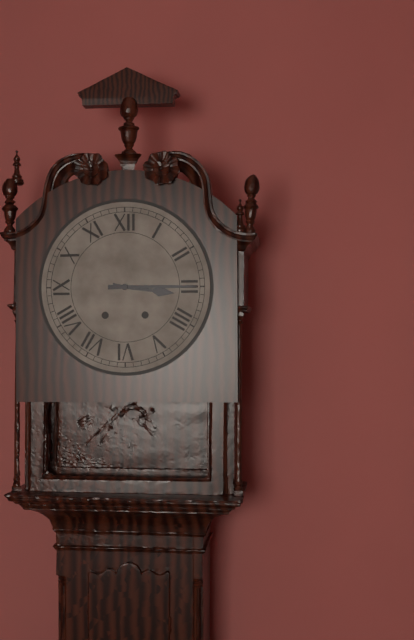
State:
3h15
